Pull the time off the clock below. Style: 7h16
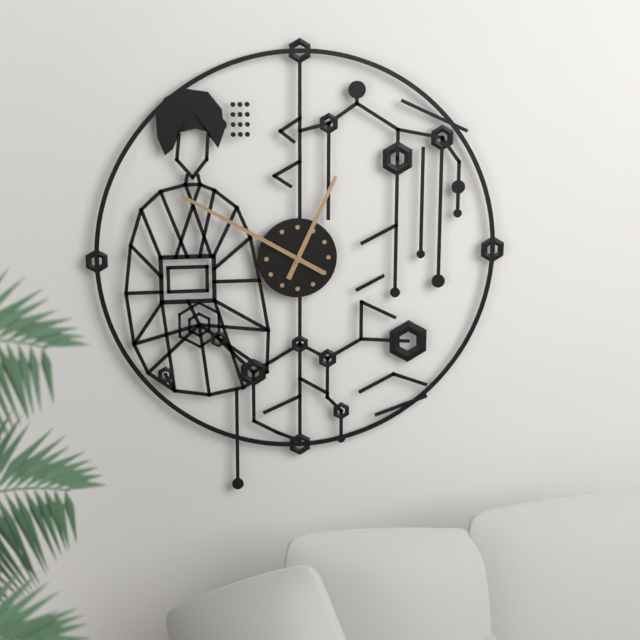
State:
12h50
